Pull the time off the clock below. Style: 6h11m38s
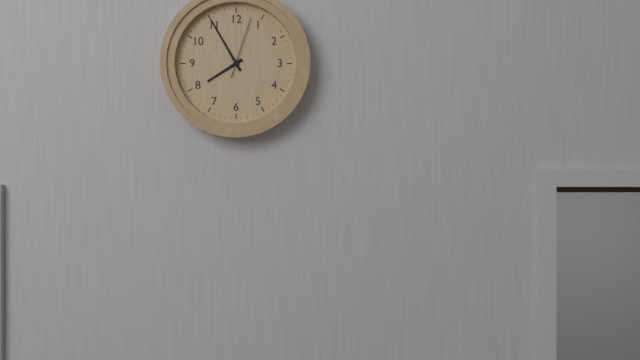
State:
7h55m03s
